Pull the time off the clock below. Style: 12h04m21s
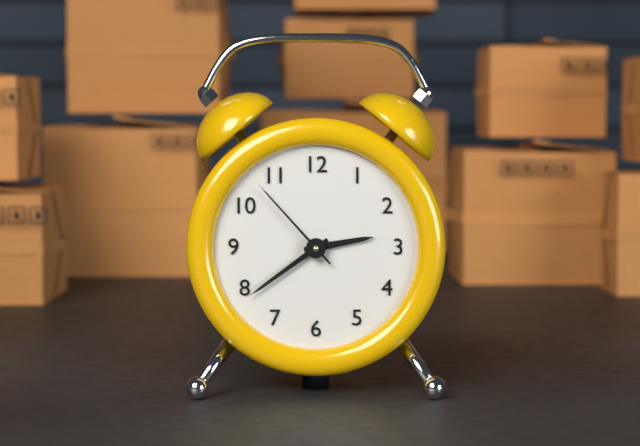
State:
2h39m53s
